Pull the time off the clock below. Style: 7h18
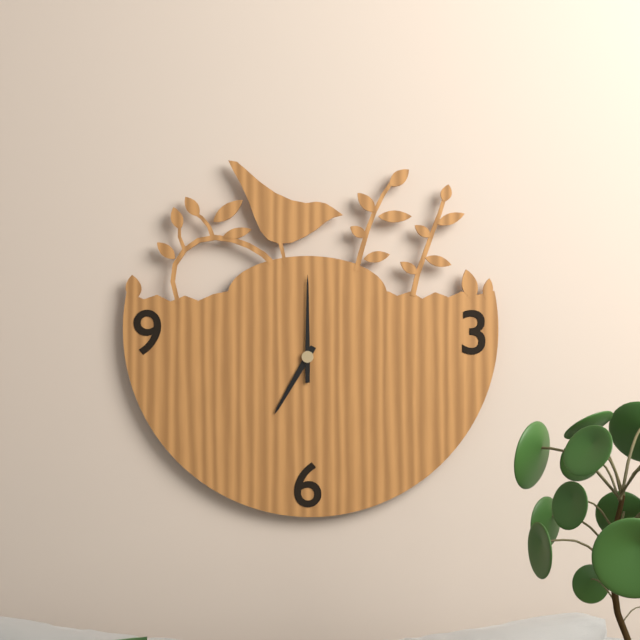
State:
7h00
